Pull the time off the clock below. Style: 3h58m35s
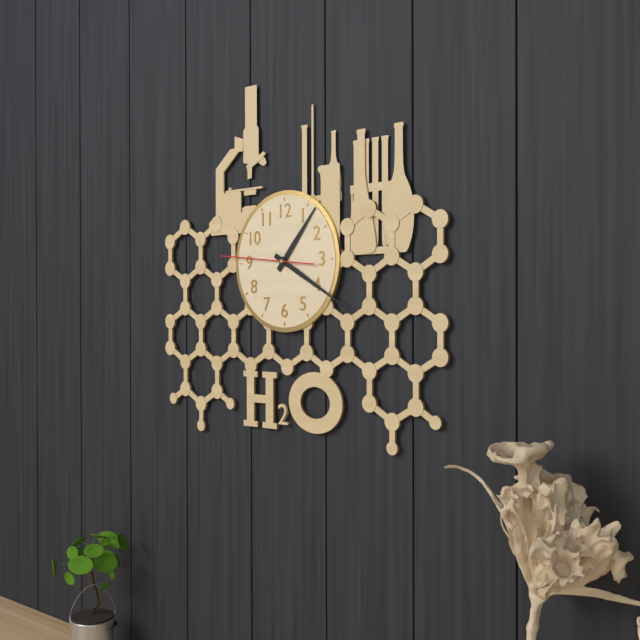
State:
1h20m46s
